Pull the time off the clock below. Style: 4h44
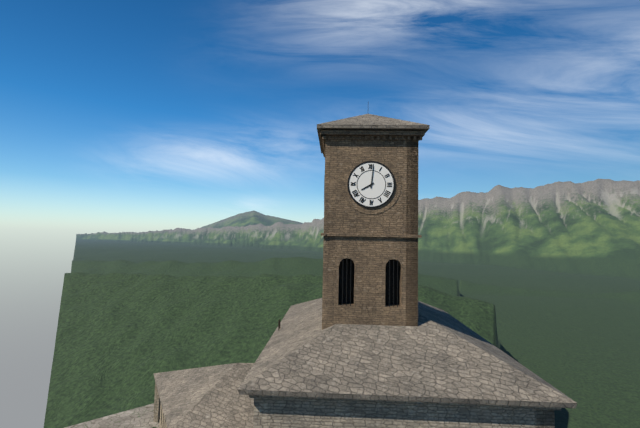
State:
8h01
